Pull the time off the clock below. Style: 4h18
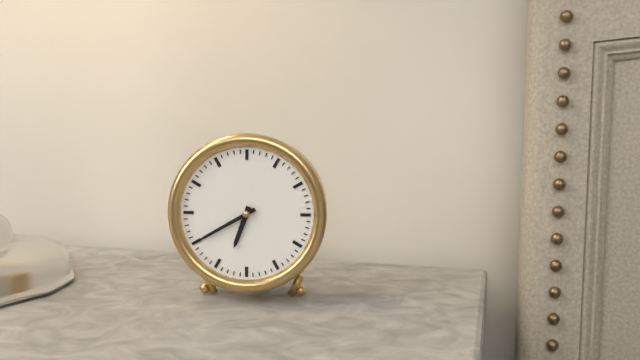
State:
6h40
